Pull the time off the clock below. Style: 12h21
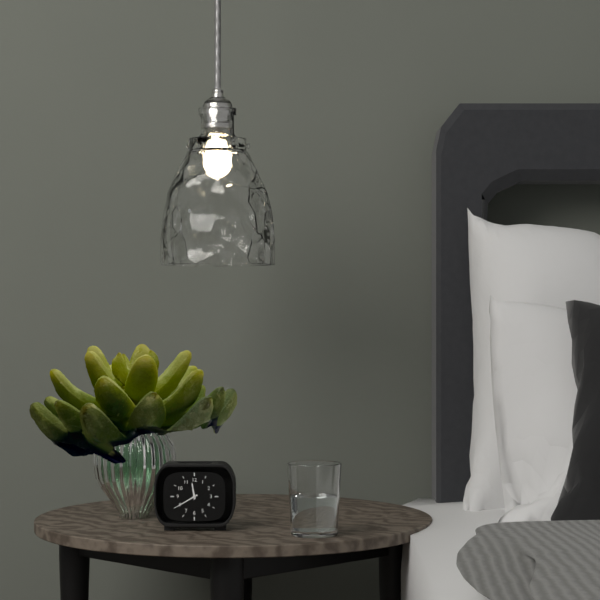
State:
11h40
